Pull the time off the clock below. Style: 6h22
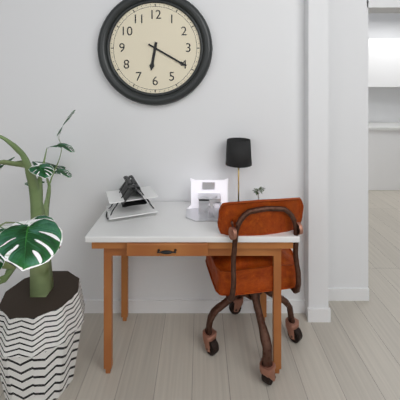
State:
6h20
